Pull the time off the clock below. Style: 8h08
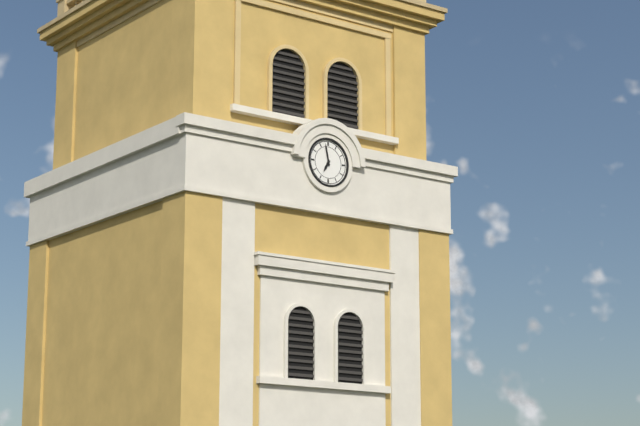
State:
6h58
